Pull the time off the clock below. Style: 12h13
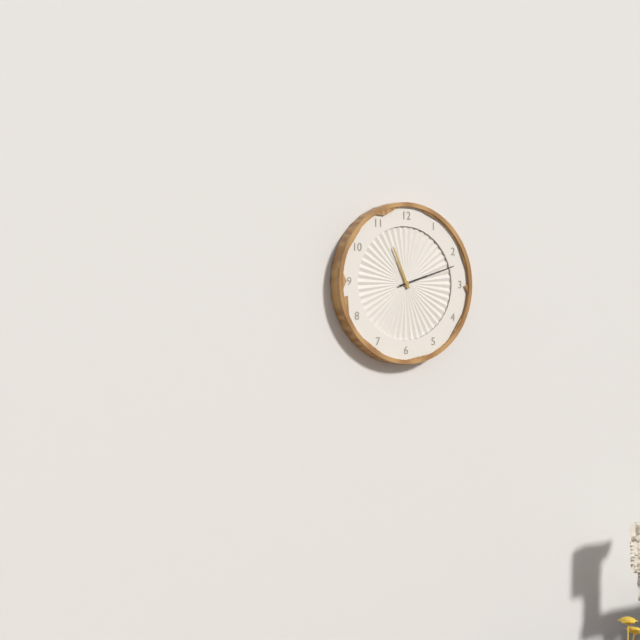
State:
11h12
